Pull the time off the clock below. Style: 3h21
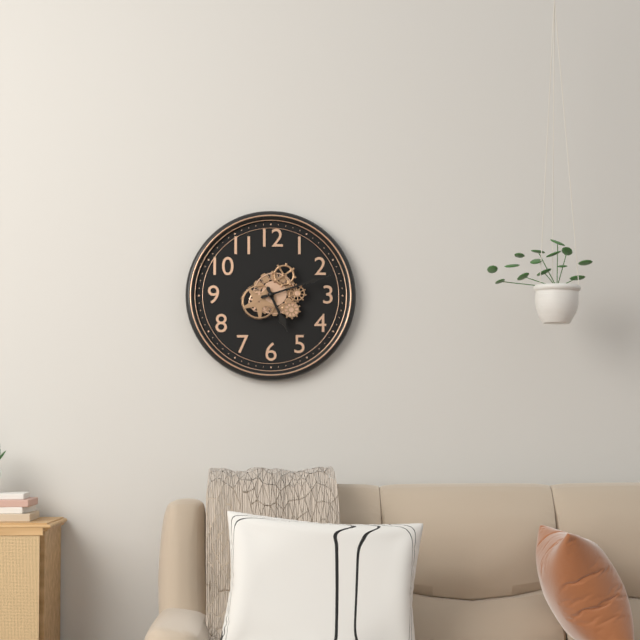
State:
5h12
